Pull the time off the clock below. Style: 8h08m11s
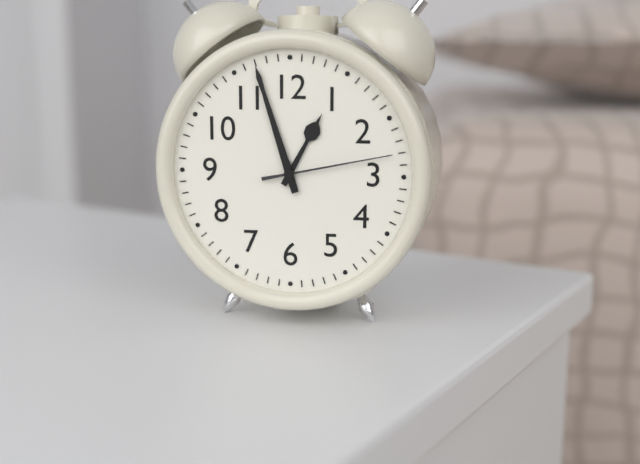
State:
12h57m13s
